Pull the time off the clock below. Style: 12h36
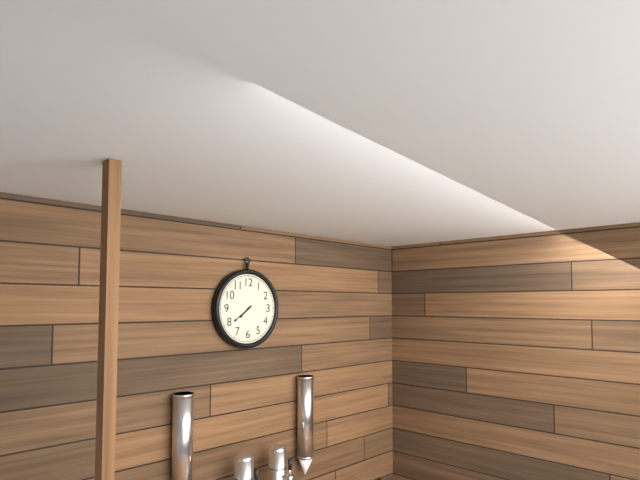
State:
7h39
